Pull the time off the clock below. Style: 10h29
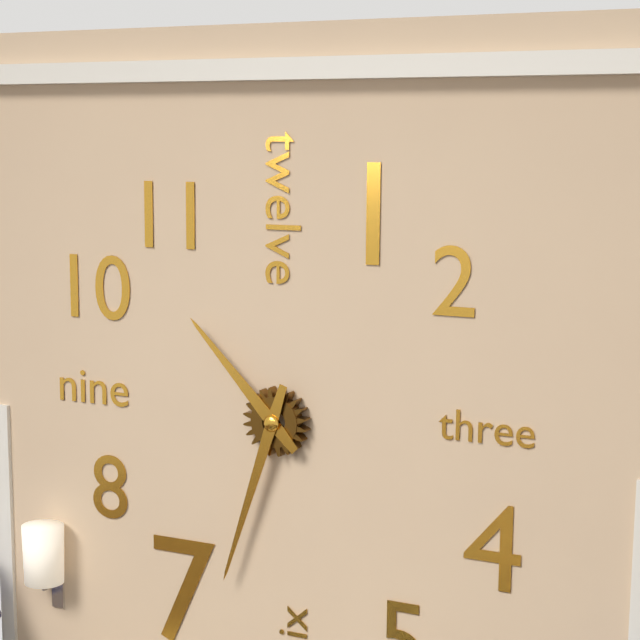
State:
10h33
